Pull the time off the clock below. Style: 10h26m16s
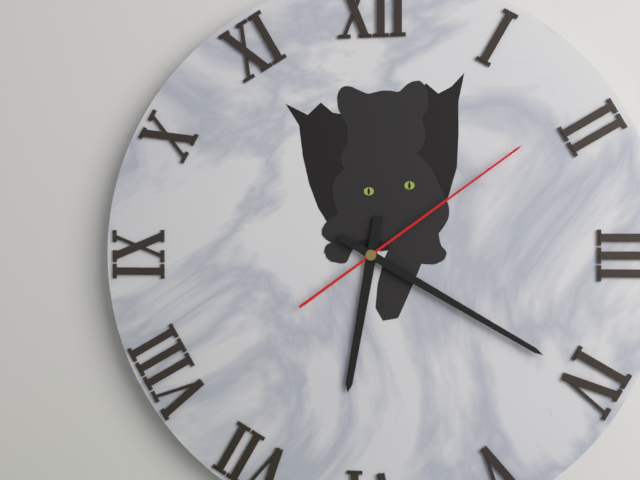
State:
6h20m09s
